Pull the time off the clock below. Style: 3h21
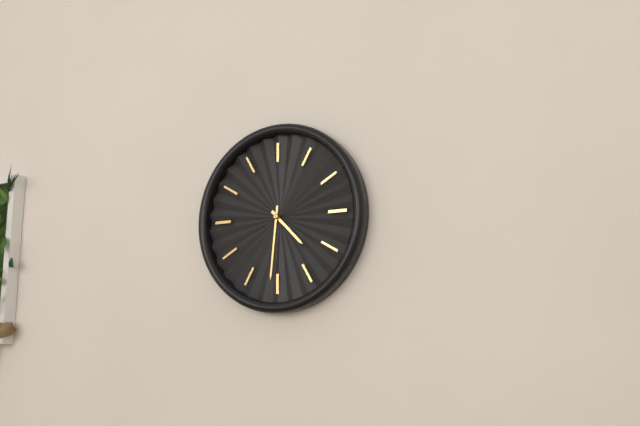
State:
4h31
